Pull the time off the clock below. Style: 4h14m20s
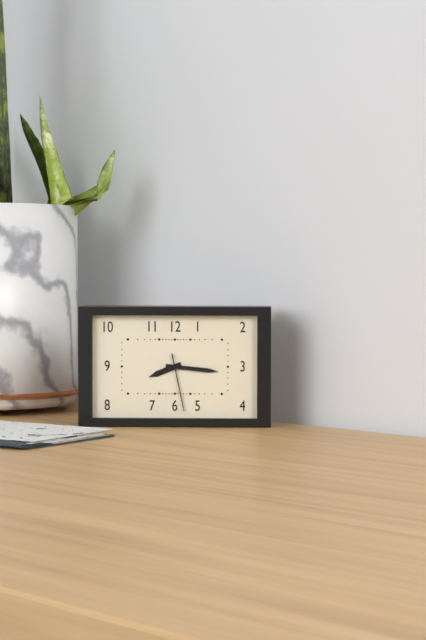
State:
8h16m28s
